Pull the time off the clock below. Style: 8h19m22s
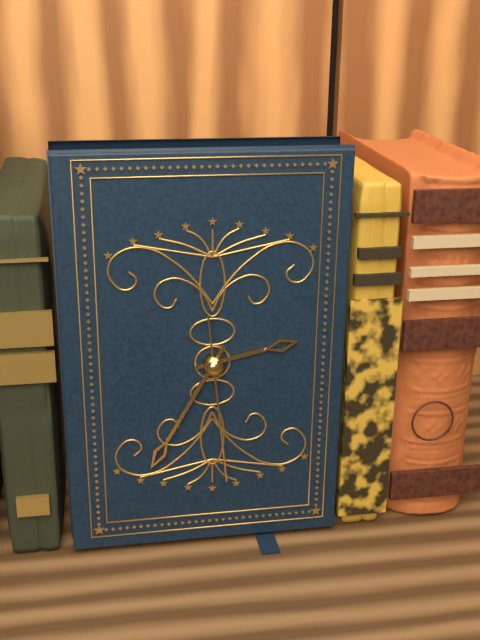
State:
2h35m29s
